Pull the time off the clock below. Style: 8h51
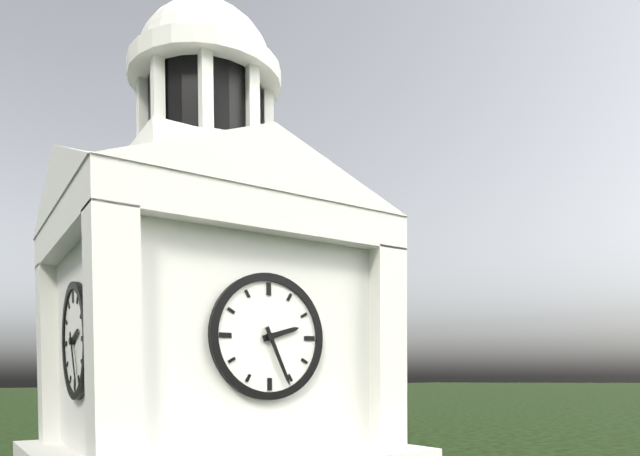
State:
2h26
